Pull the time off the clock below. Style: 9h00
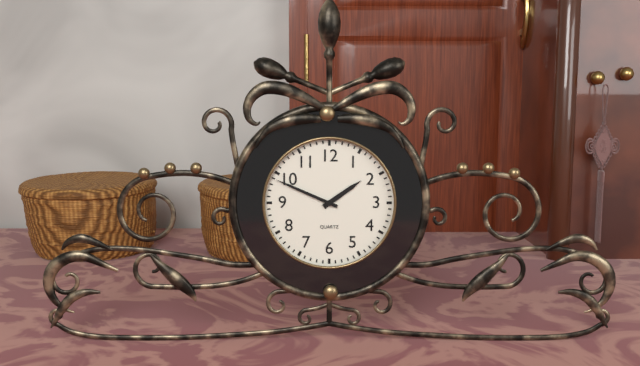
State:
1h49
